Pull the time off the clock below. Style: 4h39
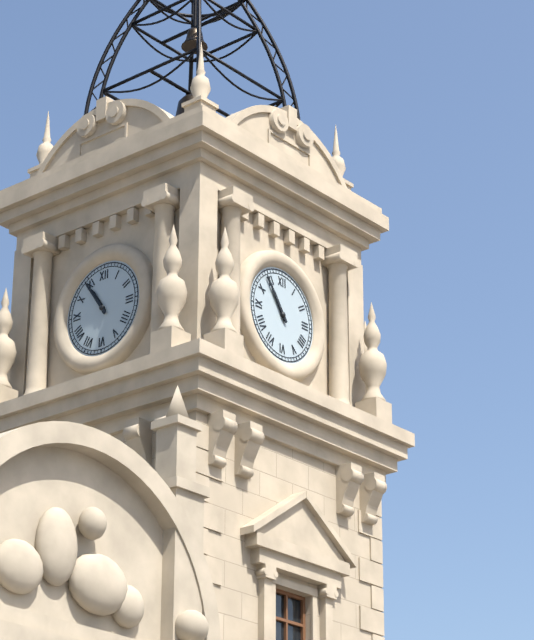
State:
10h54
